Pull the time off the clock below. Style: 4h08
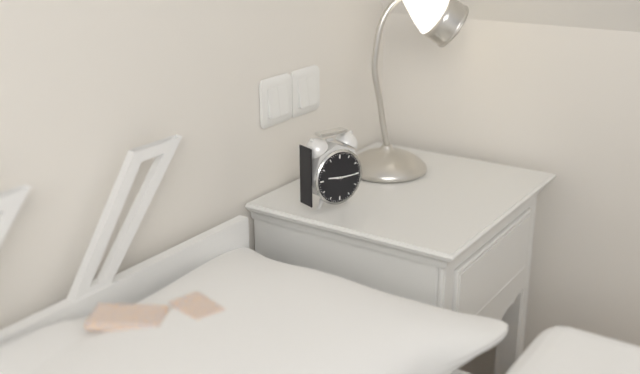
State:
9h15
